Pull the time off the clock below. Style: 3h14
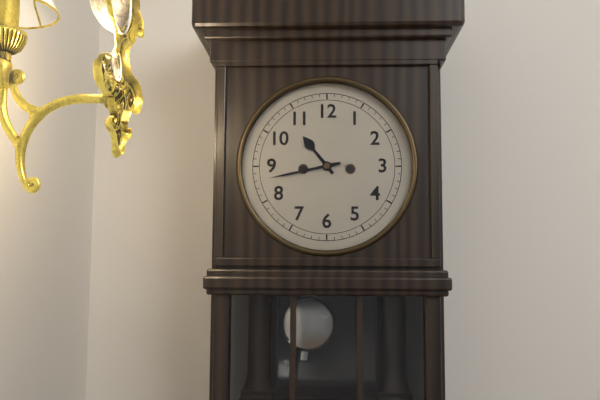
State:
10h43
